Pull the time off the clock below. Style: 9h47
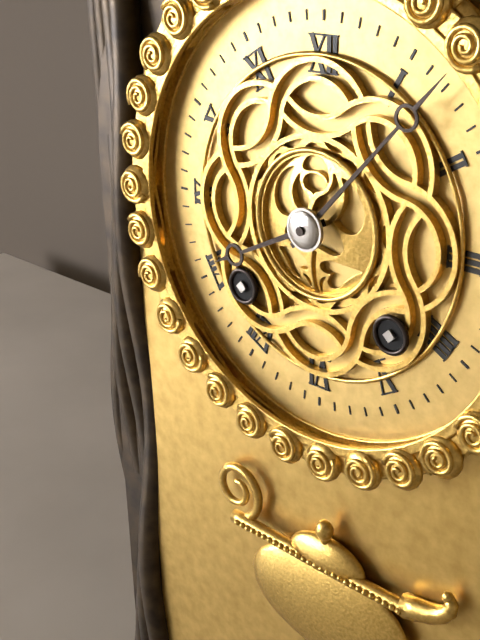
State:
8h07
